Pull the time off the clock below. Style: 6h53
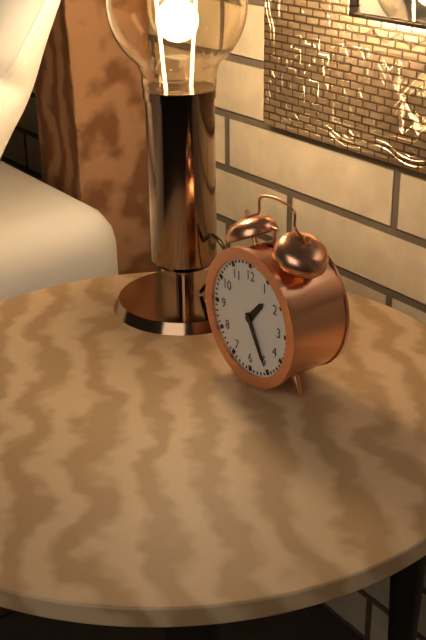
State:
1h25
